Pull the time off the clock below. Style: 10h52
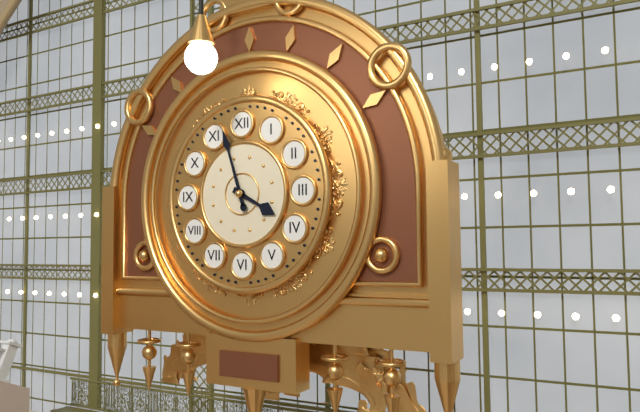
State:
3h57
